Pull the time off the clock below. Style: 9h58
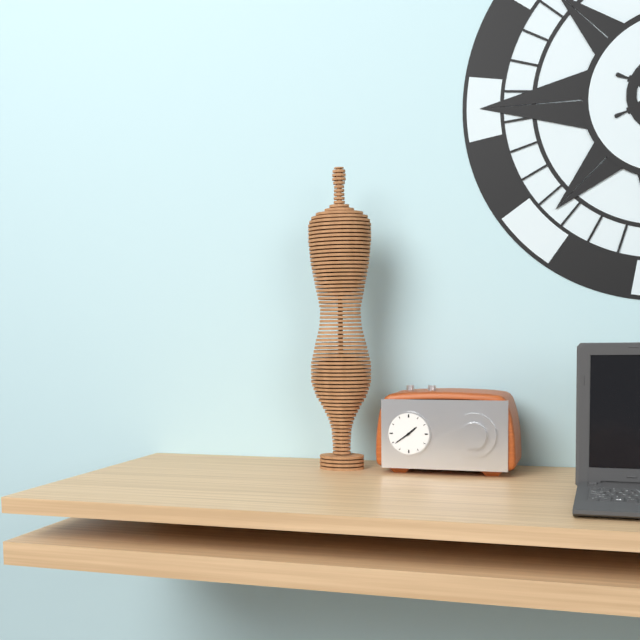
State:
1h39
